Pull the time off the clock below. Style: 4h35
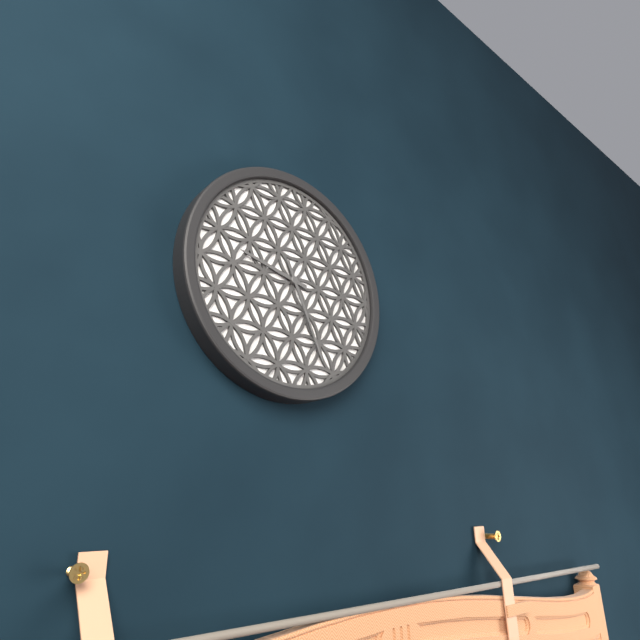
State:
9h26
